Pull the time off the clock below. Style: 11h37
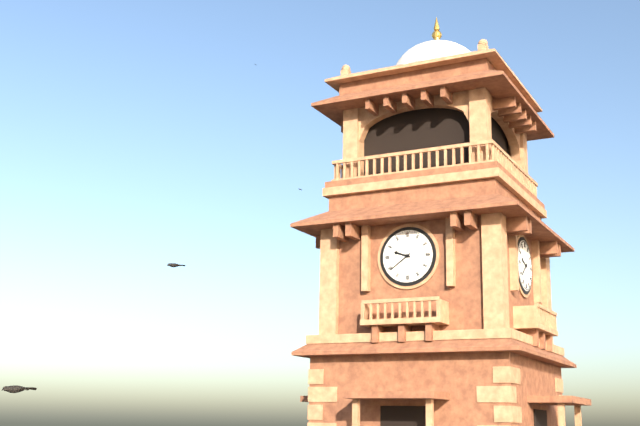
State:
9h39
